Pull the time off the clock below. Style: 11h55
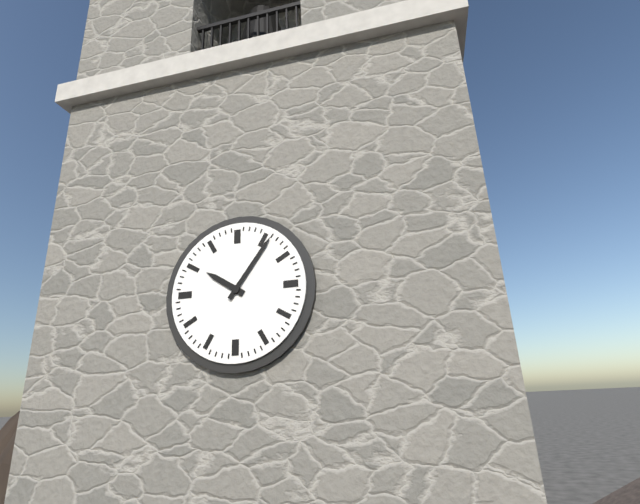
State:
10h06
